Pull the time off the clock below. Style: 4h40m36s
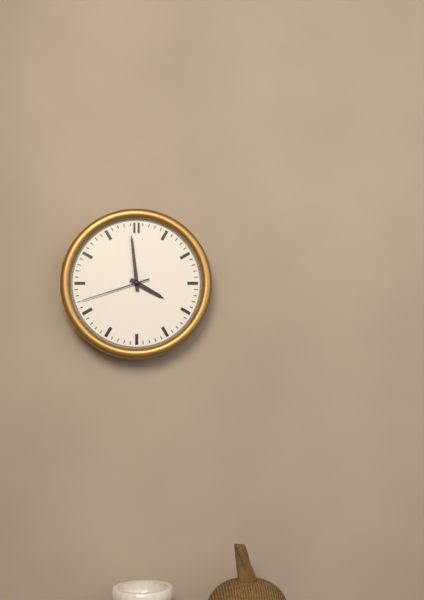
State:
3h59m42s
